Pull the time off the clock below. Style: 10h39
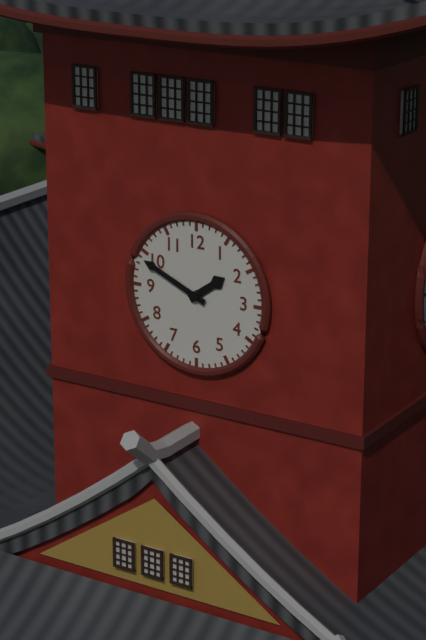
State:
1h49
